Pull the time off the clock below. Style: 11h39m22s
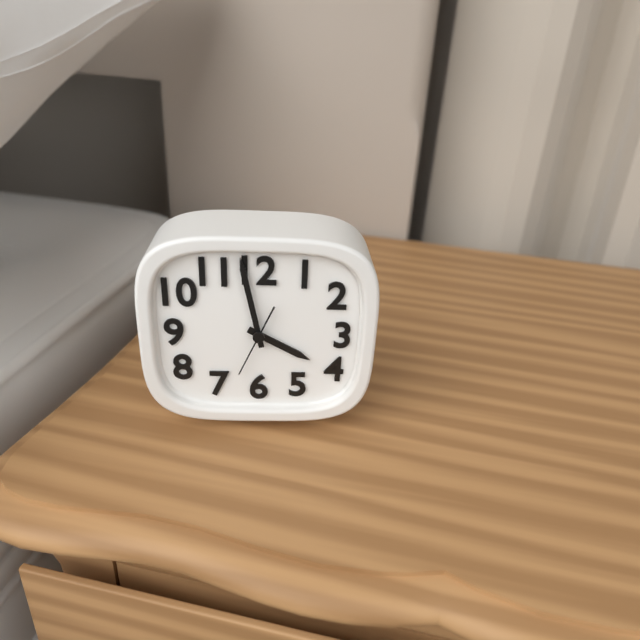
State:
3h58m34s
